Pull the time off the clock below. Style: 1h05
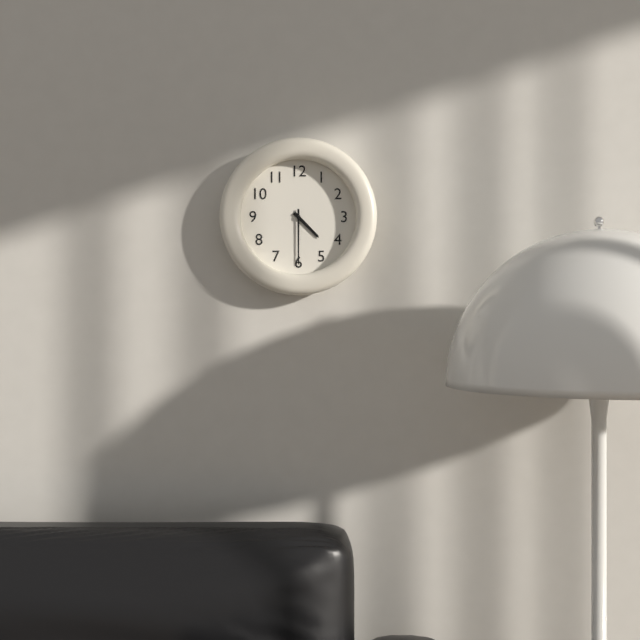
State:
4h30
